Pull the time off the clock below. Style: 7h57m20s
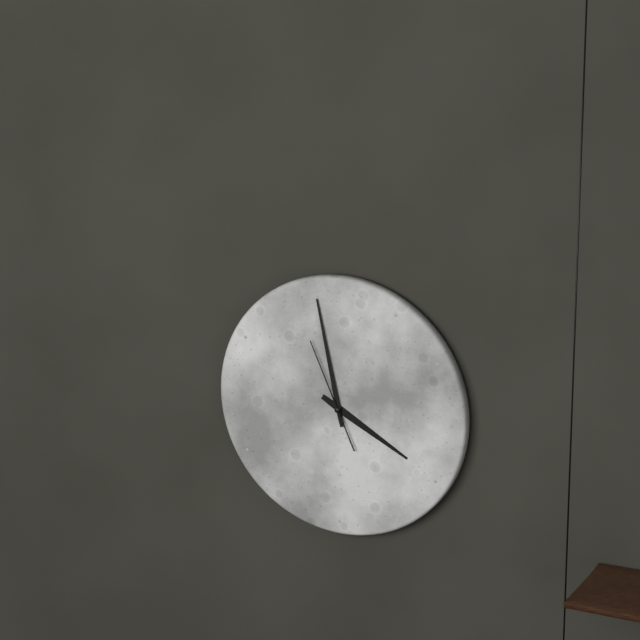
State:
3h58m56s
